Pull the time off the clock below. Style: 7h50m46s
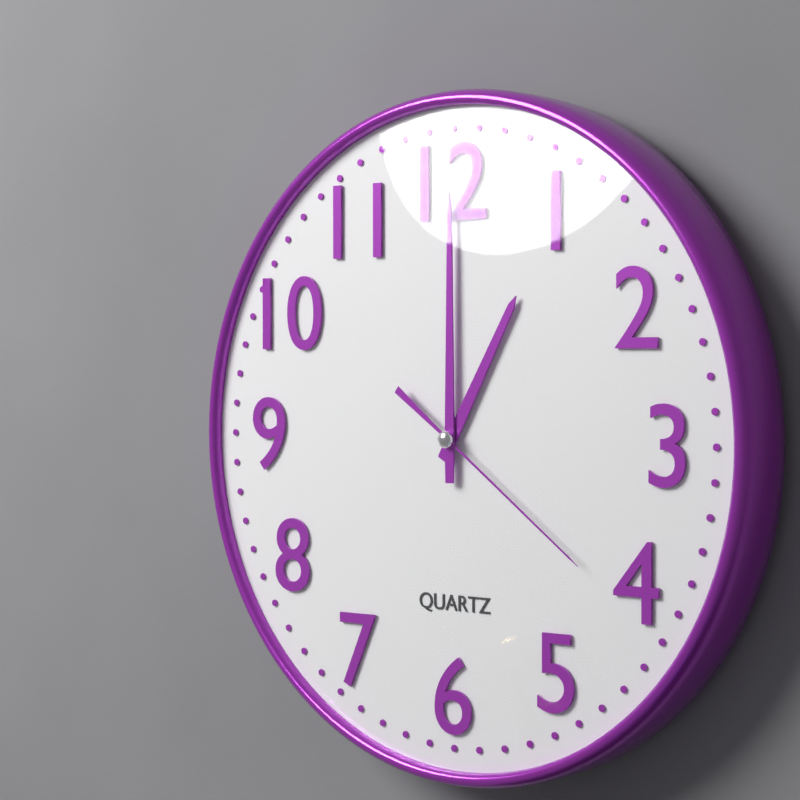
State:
1h00m21s
